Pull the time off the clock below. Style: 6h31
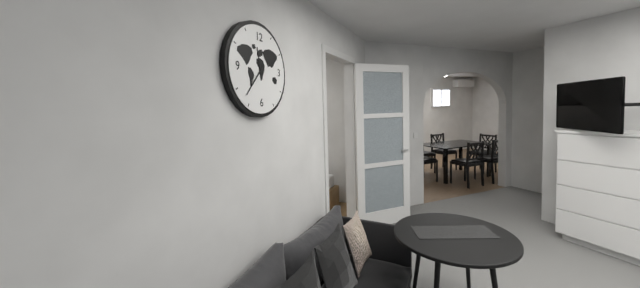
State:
11h37
